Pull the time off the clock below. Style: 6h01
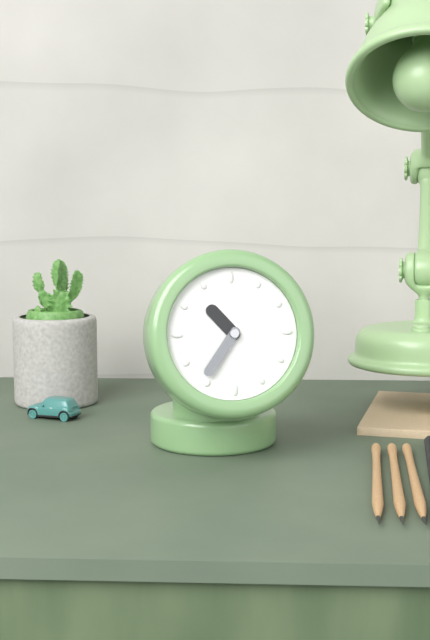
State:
10h36
